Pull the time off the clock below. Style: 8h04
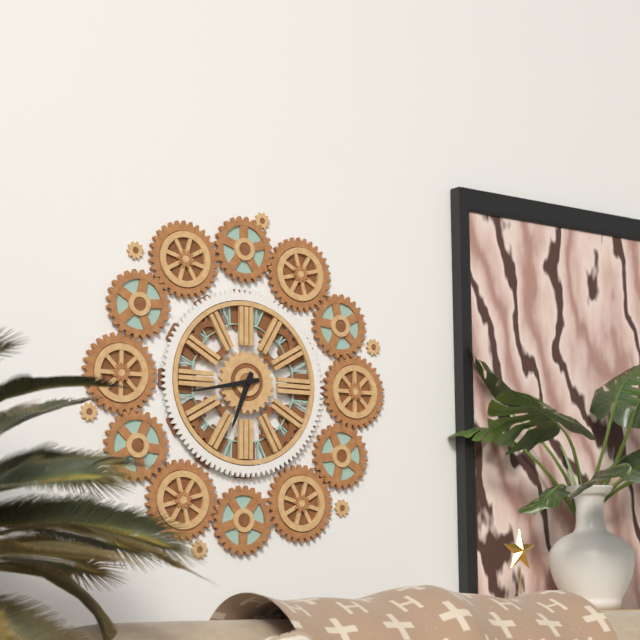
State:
6h43
